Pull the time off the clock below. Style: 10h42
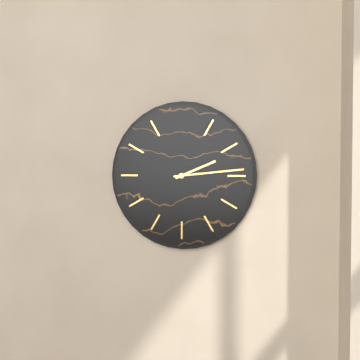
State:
2h14
